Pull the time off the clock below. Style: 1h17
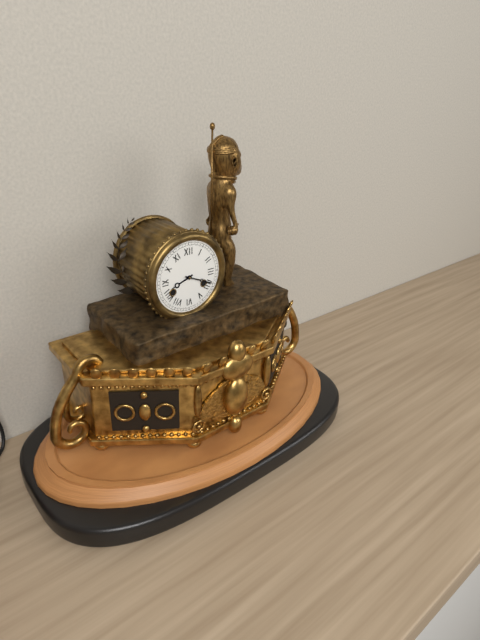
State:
8h19
